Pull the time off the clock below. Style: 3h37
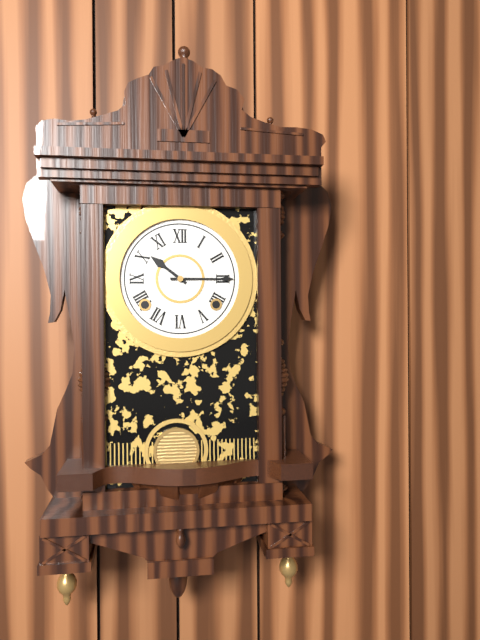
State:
10h15
